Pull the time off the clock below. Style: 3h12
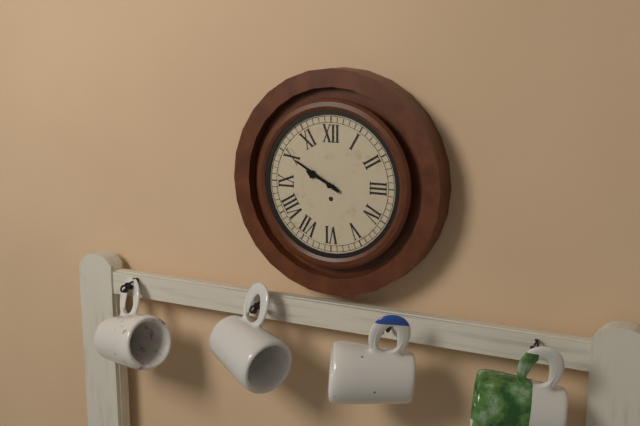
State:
9h50
